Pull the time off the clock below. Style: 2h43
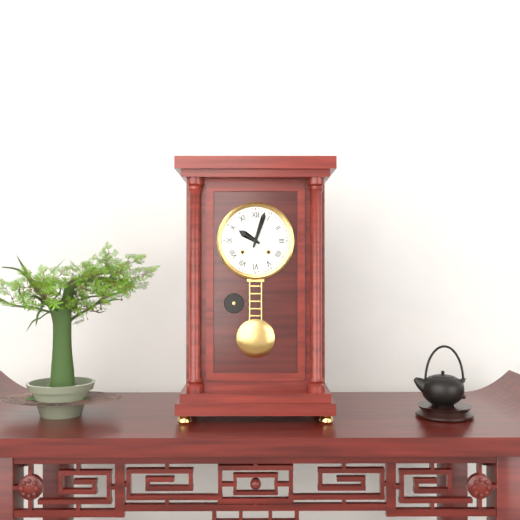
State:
10h03
